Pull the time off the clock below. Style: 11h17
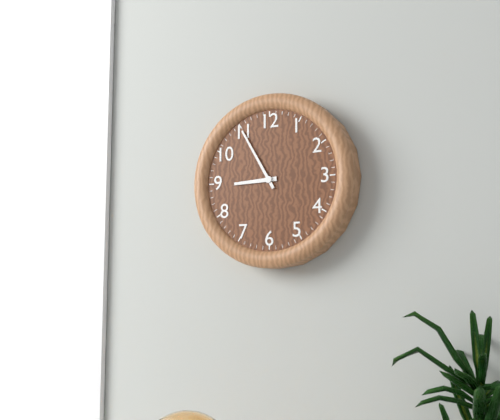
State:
8h55
